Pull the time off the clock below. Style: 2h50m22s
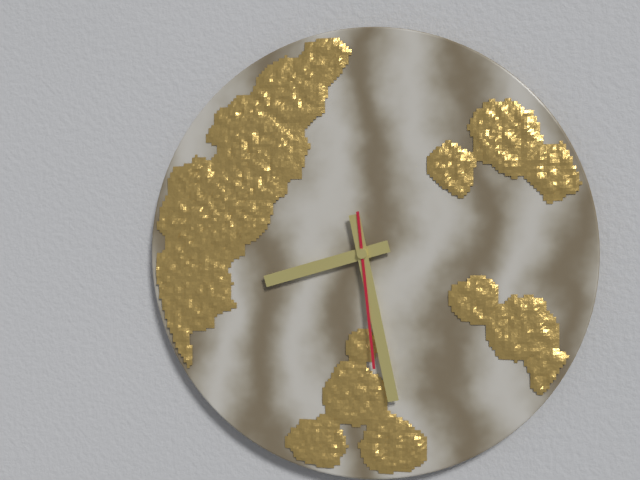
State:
8h28m29s
